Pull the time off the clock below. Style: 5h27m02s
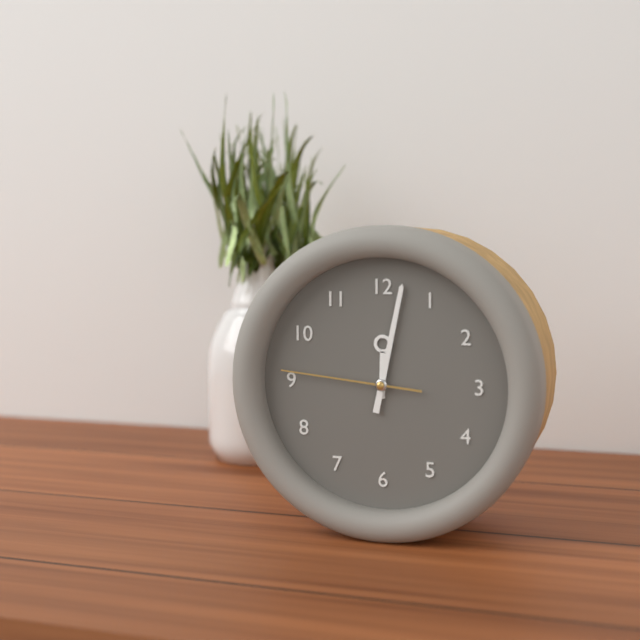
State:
12h02m46s
